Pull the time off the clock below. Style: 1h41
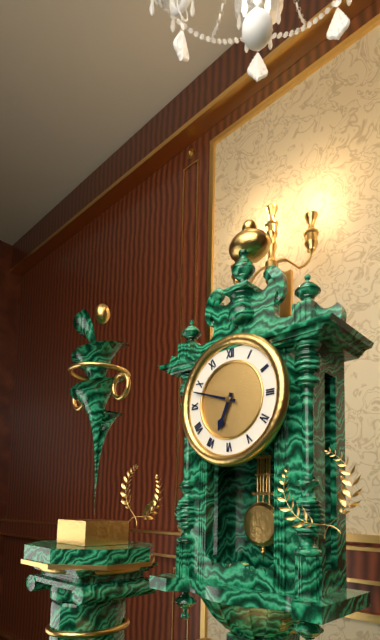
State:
6h48
